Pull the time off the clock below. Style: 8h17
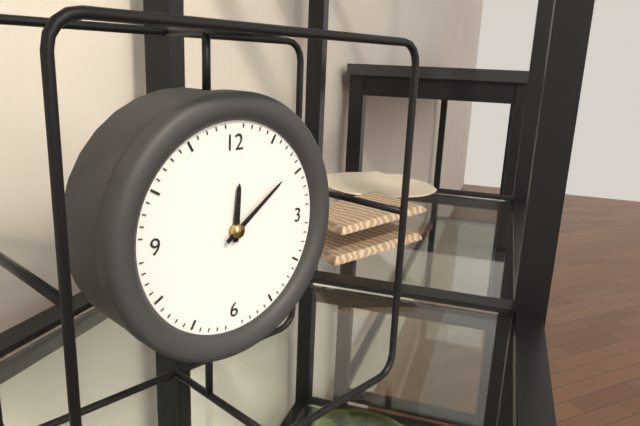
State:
12h09
